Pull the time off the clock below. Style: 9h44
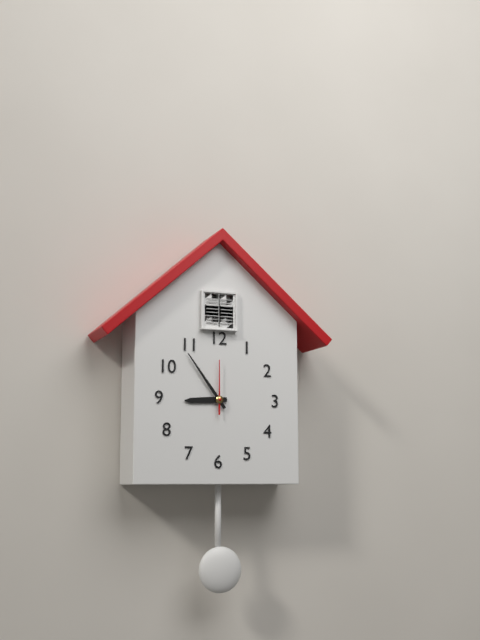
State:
8h54
